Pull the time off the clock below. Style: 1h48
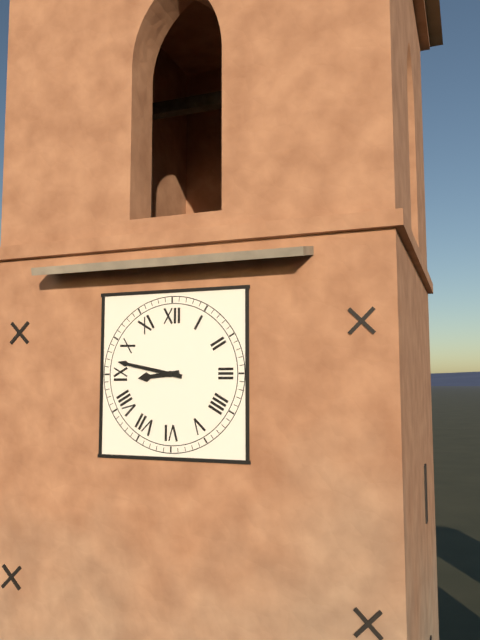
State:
8h47
